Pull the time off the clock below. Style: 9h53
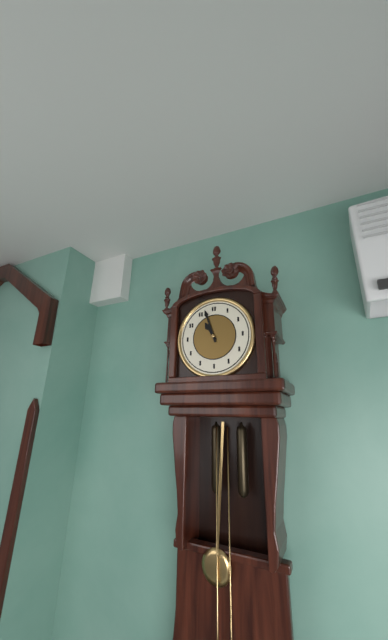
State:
10h57
